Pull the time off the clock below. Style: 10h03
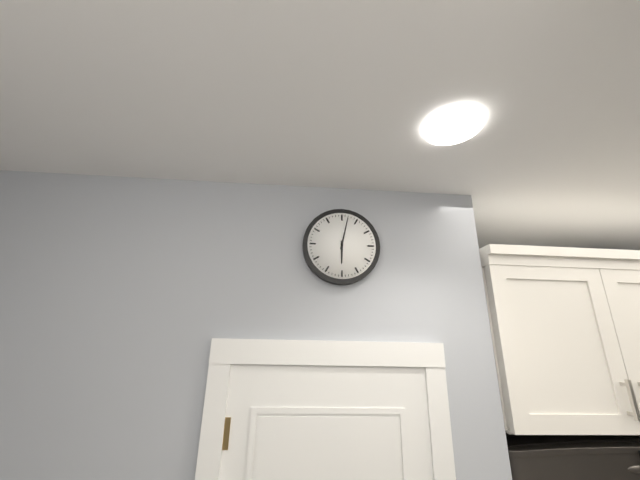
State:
6h02
